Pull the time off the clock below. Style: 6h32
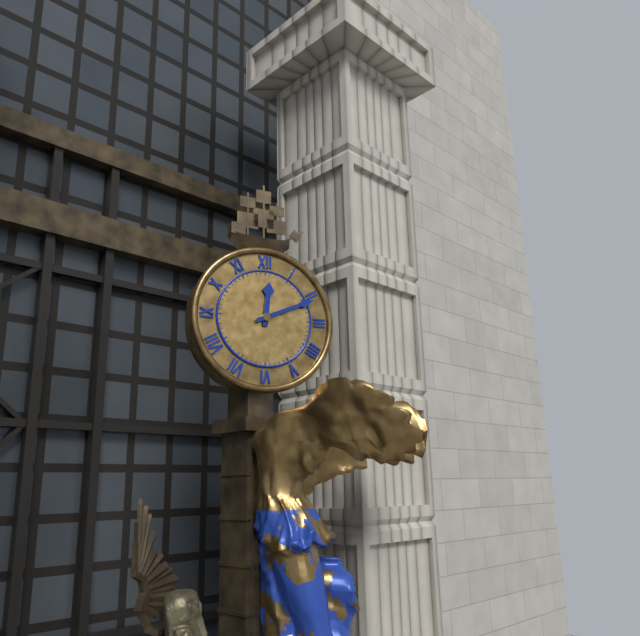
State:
12h11
